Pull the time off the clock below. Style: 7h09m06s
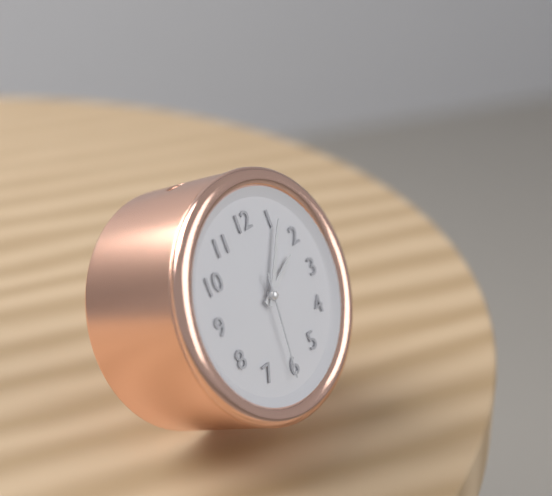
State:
2h06m31s
